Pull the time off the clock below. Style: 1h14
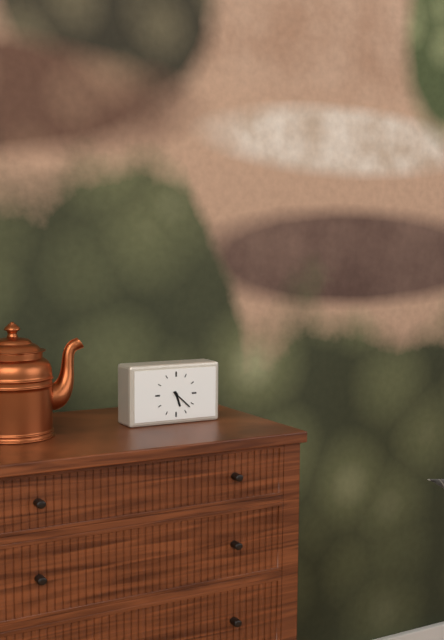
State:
5h22
